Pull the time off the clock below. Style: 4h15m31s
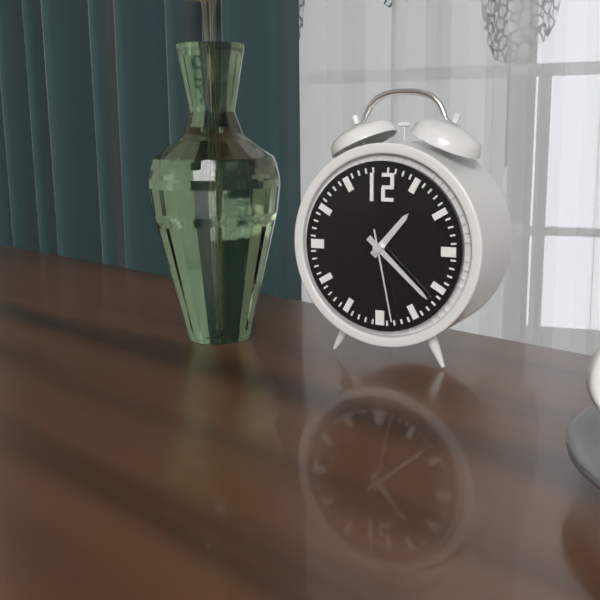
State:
1h22m28s
